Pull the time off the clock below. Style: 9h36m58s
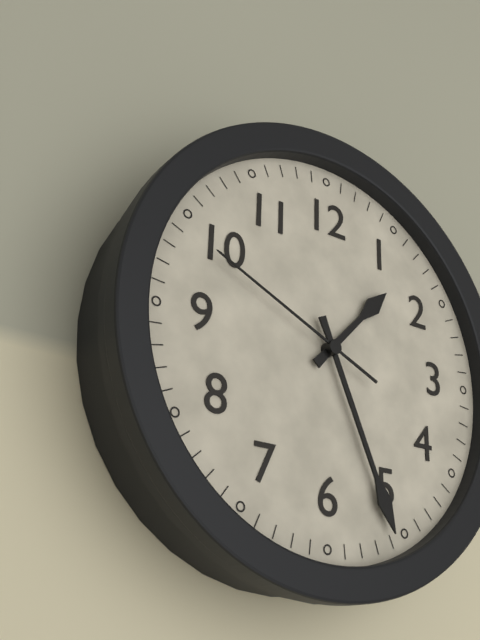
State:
1h26m49s
